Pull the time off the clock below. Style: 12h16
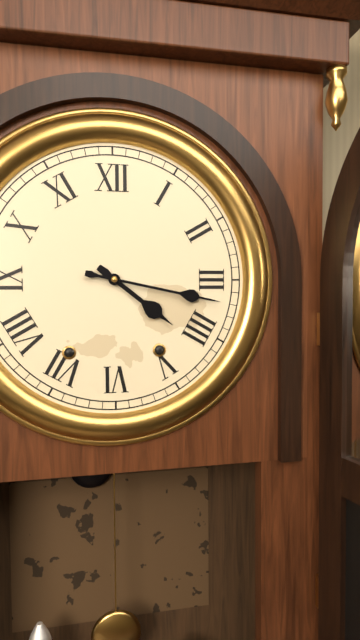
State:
4h17
